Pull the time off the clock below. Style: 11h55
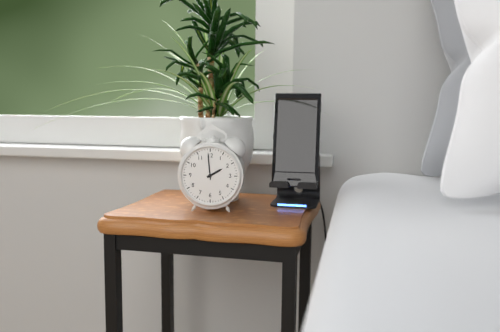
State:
1h59
